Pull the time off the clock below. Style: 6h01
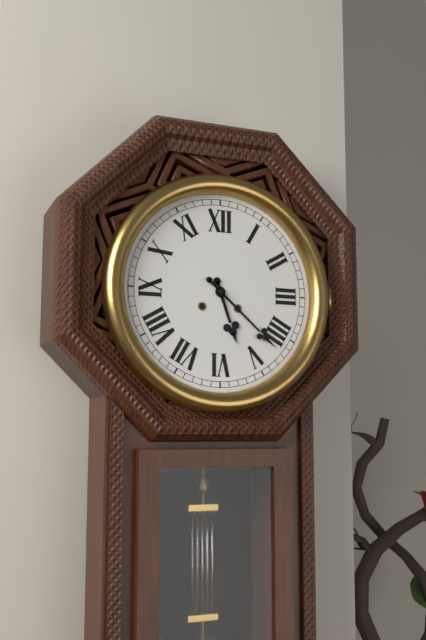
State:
5h22
